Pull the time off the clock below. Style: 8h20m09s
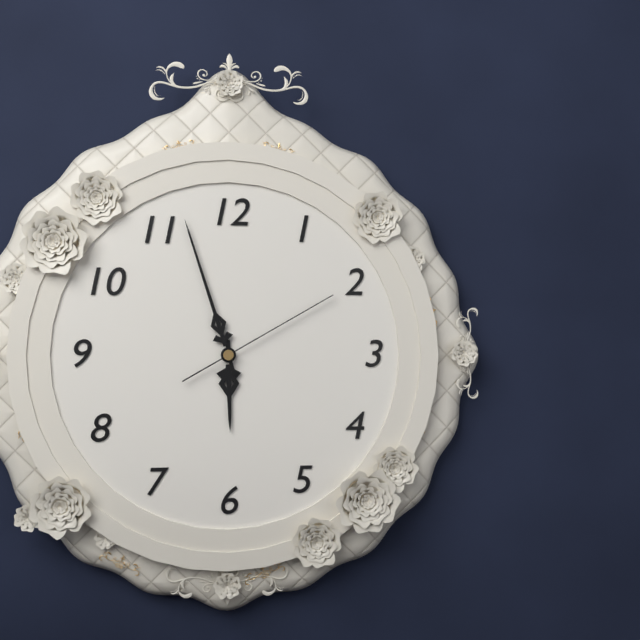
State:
5h57m10s
